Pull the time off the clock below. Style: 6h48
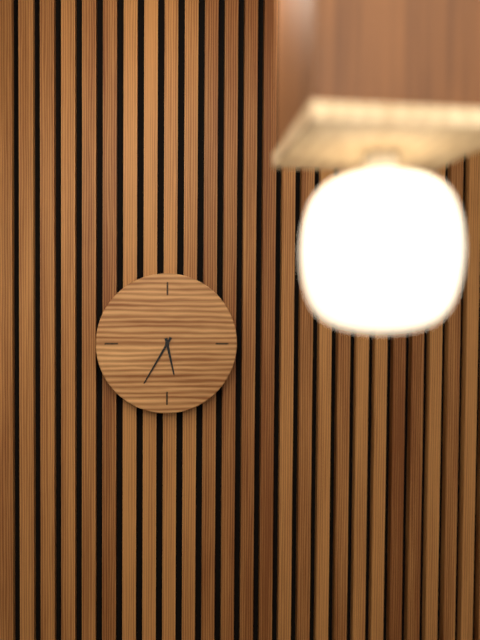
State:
5h35
